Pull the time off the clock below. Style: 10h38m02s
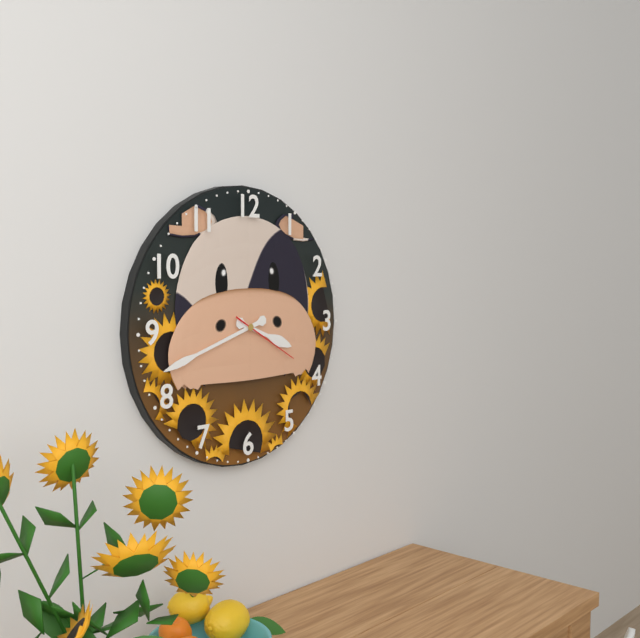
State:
3h42m20s
